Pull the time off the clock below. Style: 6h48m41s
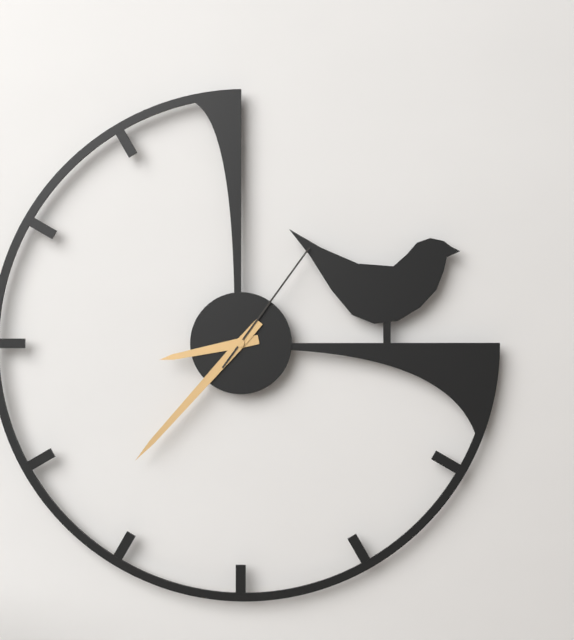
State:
8h37m06s
